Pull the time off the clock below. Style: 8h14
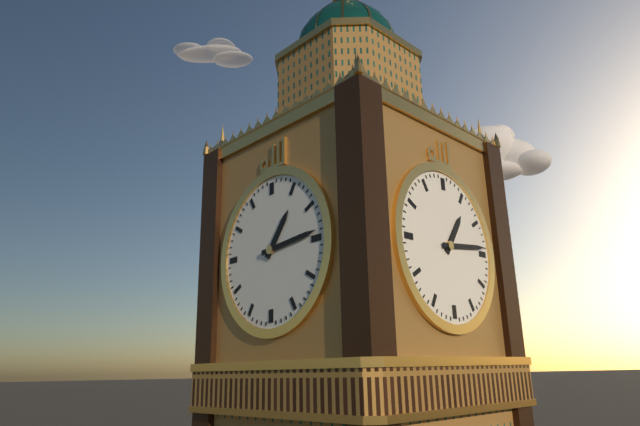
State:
1h14
